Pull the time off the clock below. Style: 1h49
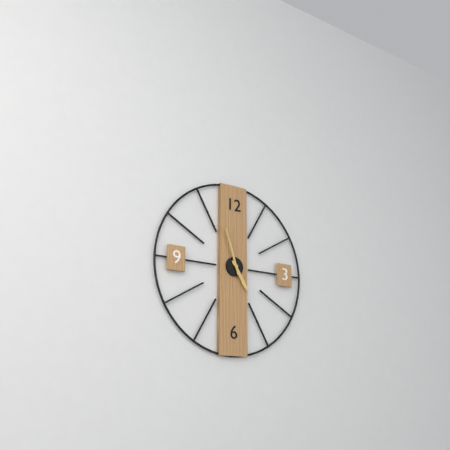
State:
4h57
